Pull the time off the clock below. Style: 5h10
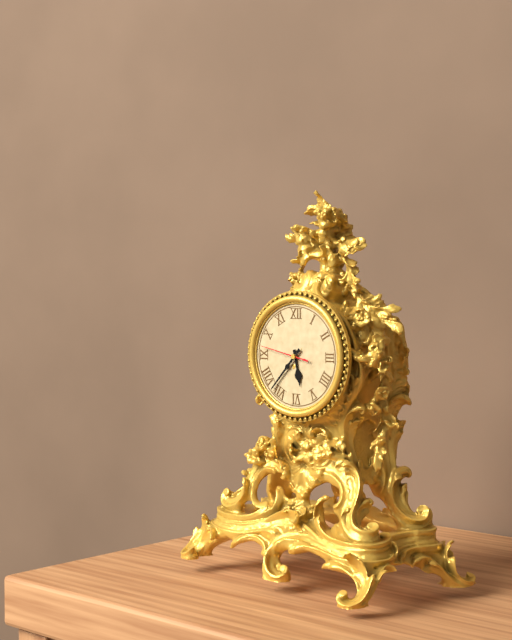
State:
5h37
